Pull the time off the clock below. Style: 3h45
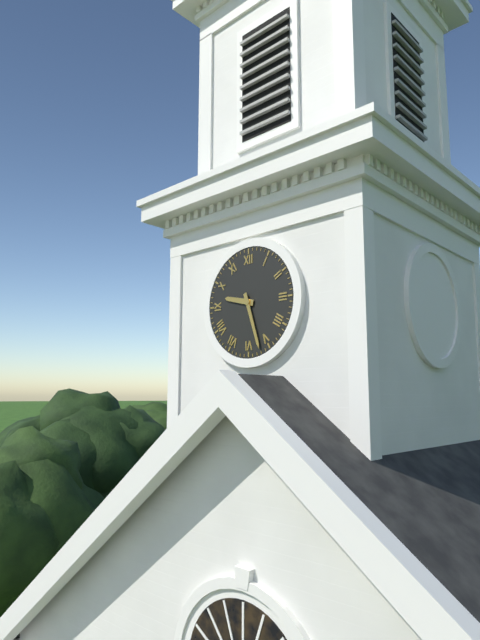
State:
9h27
